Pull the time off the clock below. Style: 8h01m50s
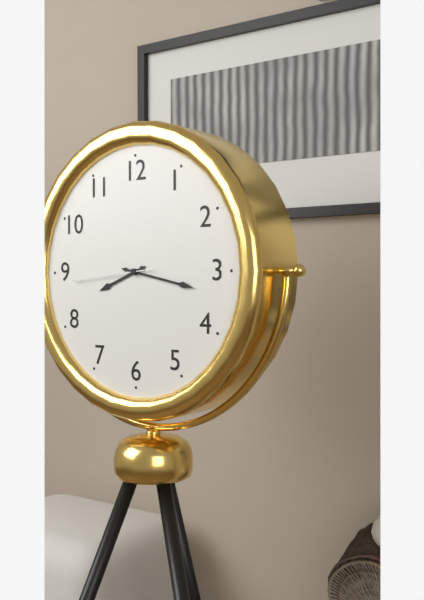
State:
8h17m44s
